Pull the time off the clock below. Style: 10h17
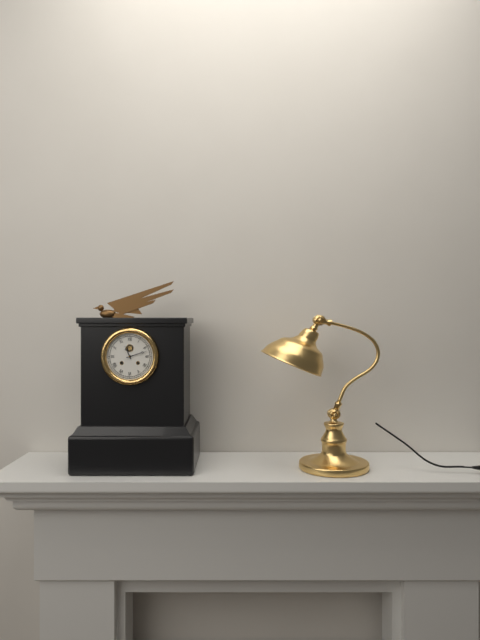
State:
11h12
